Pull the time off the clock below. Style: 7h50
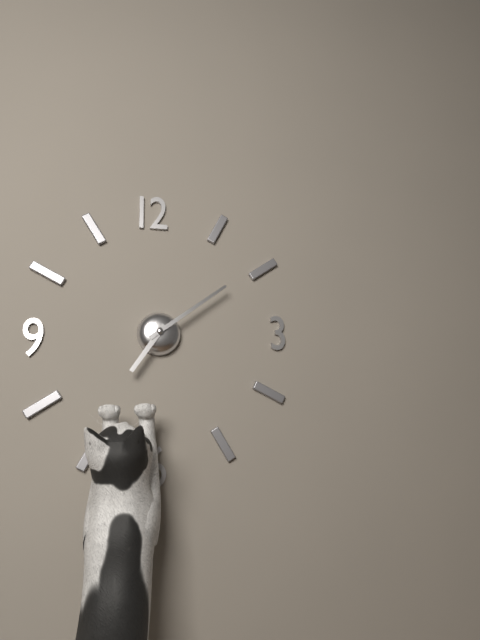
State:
7h09
